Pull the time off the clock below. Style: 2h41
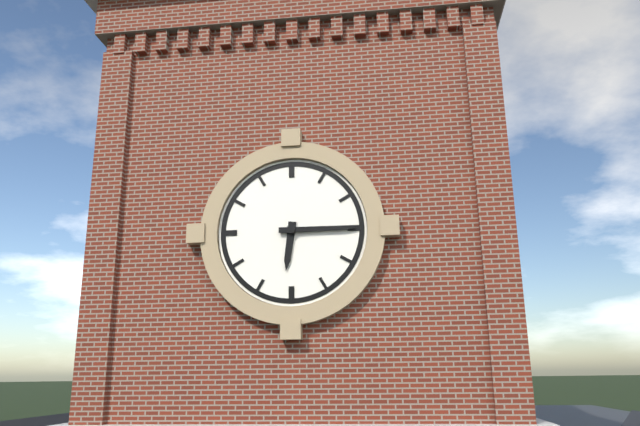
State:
6h15
